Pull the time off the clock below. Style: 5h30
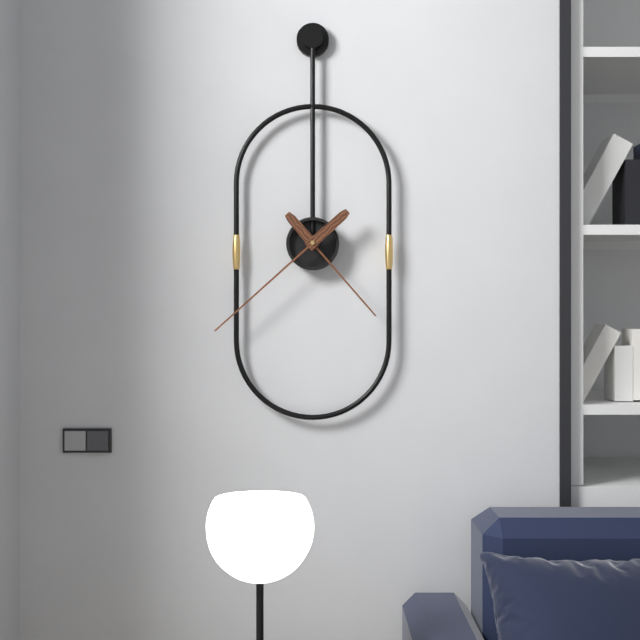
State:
4h38
